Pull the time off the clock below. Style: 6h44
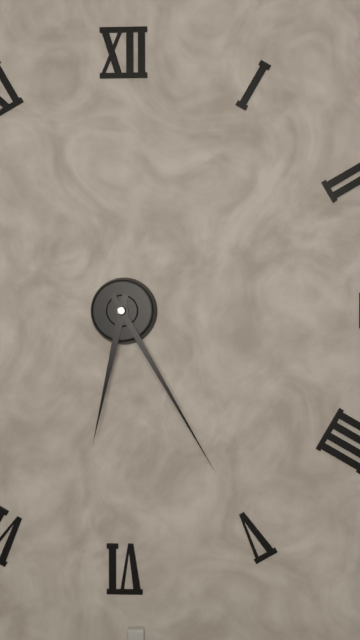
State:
6h25
